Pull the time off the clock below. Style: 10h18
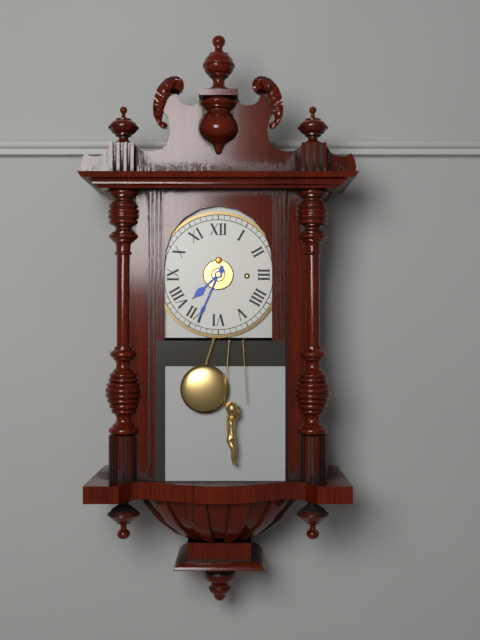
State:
7h34
